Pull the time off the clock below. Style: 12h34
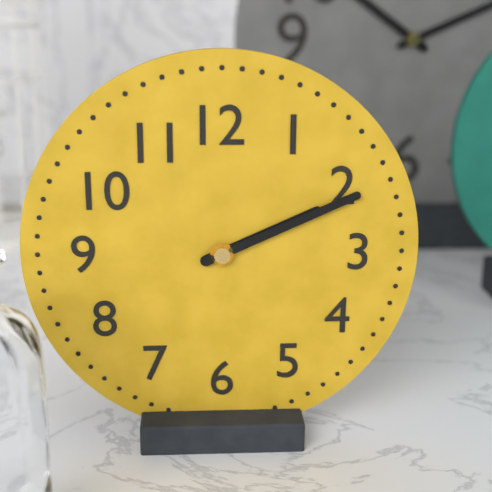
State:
2h11
